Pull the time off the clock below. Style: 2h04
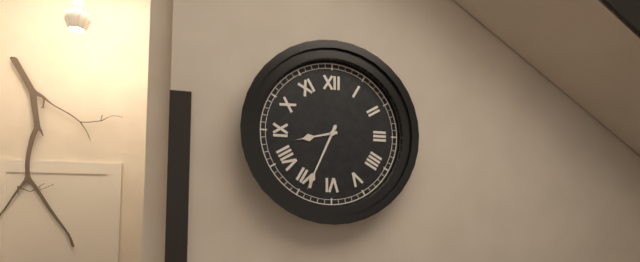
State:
8h34
